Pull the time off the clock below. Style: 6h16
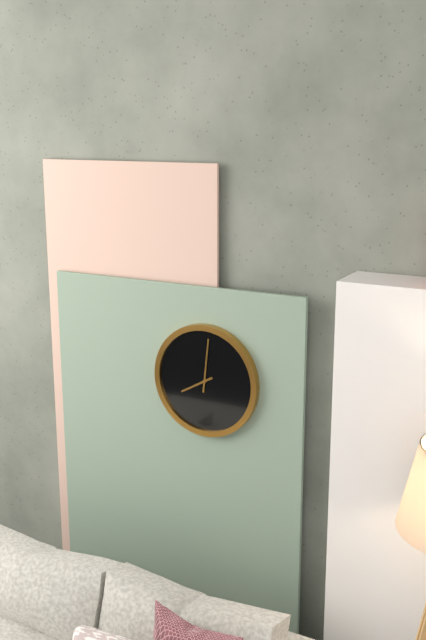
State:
8h01
